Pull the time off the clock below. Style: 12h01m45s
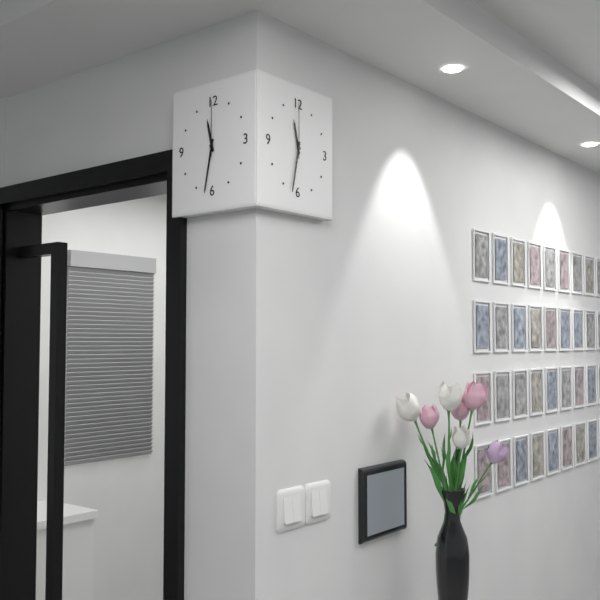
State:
11h32m00s
